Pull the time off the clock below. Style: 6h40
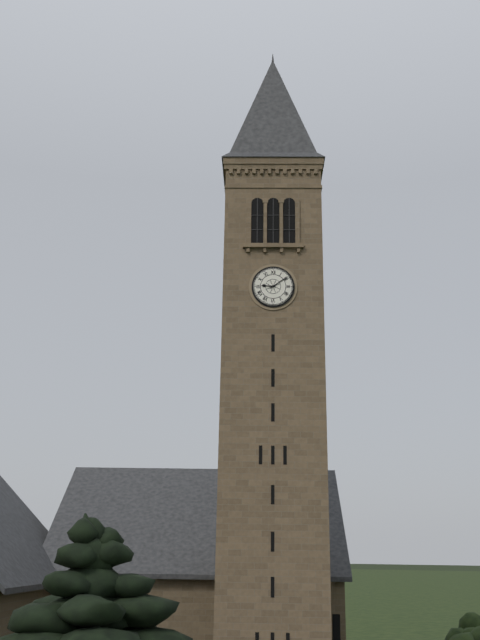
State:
9h09
